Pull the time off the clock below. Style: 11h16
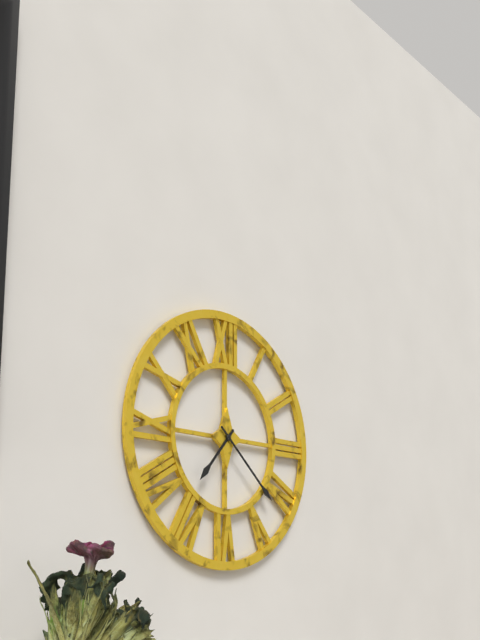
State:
7h22
